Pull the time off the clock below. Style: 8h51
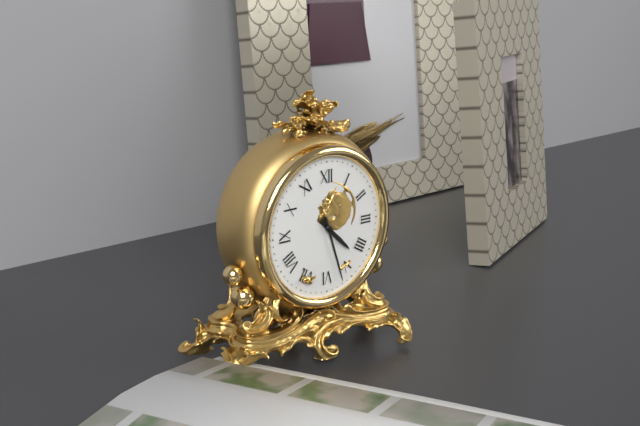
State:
4h27
